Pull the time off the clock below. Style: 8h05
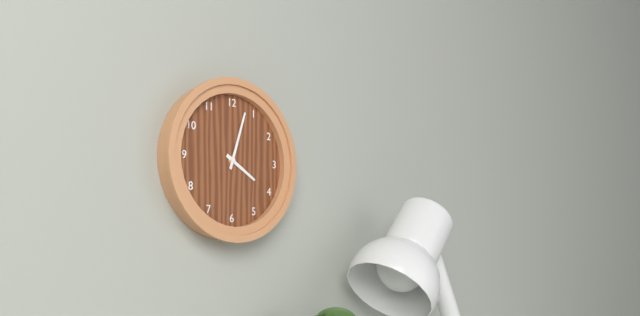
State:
4h03
